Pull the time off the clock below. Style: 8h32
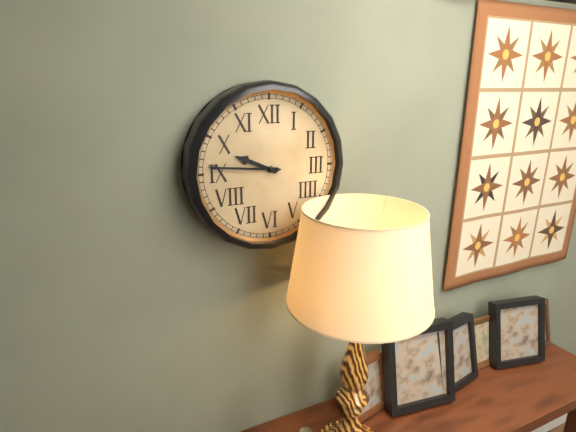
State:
9h46
